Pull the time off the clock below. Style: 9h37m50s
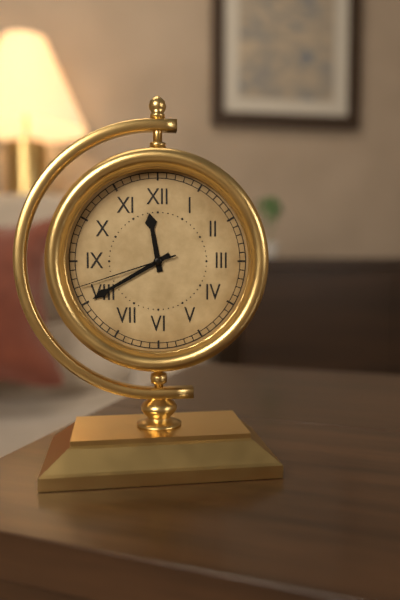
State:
11h40m42s
